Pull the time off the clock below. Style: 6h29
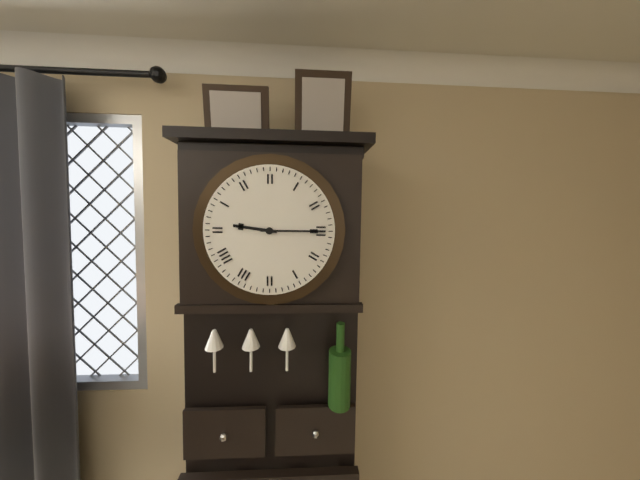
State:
9h15
